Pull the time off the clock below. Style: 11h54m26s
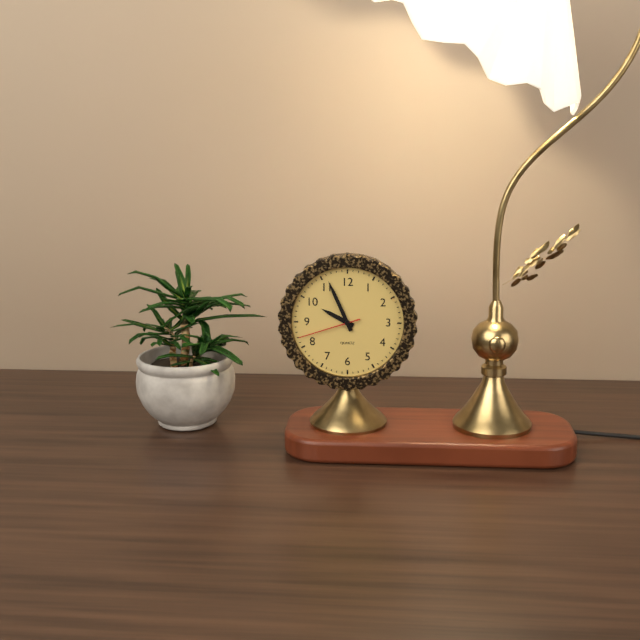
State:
9h56m42s
